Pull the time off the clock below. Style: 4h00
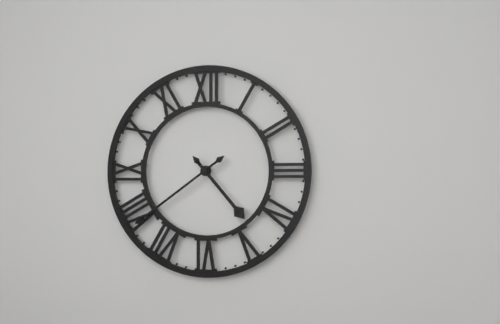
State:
4h39
